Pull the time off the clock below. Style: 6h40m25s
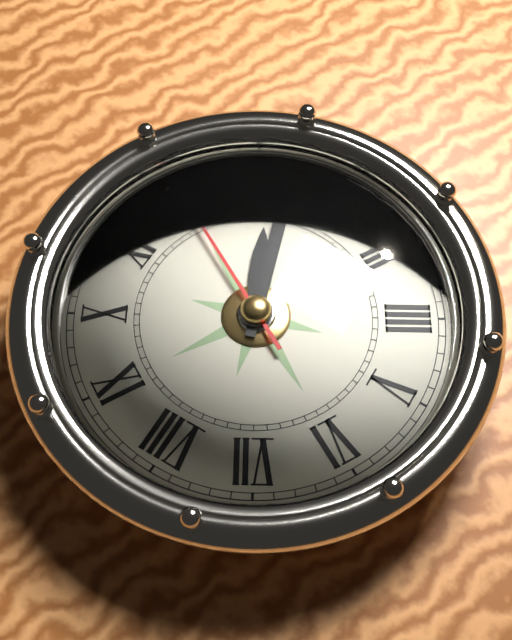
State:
1h07m00s
